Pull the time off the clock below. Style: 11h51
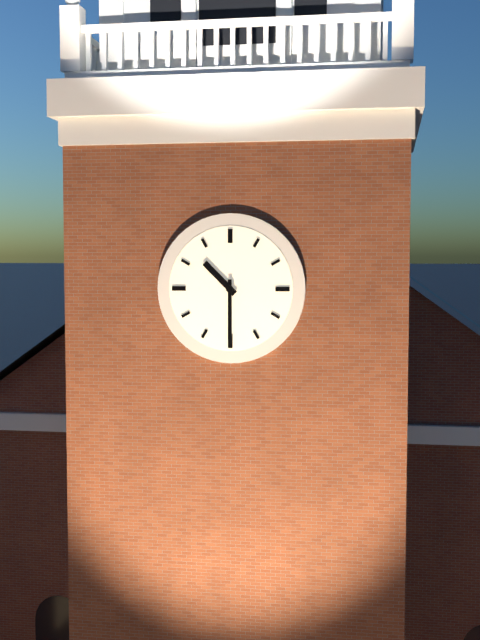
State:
10h30
